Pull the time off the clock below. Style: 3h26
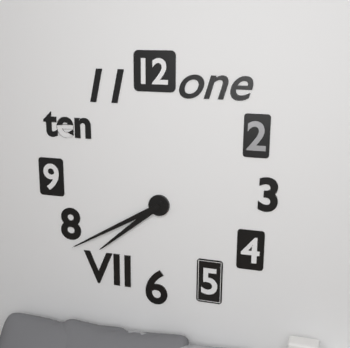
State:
7h40
